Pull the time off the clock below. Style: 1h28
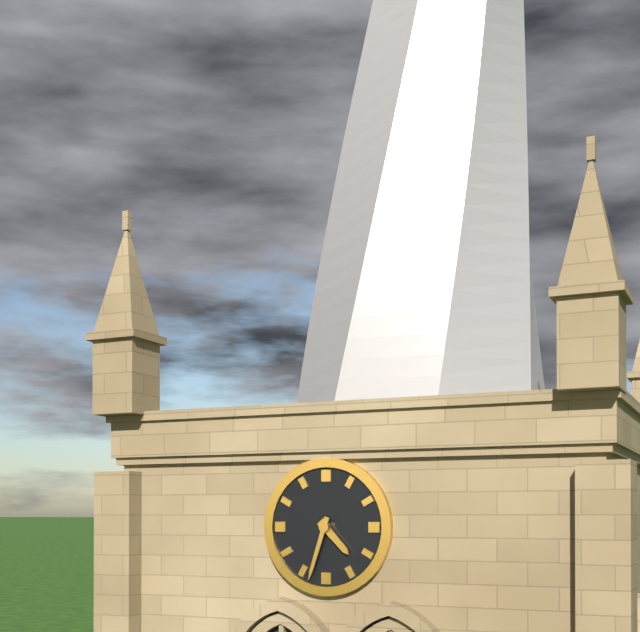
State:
4h33
